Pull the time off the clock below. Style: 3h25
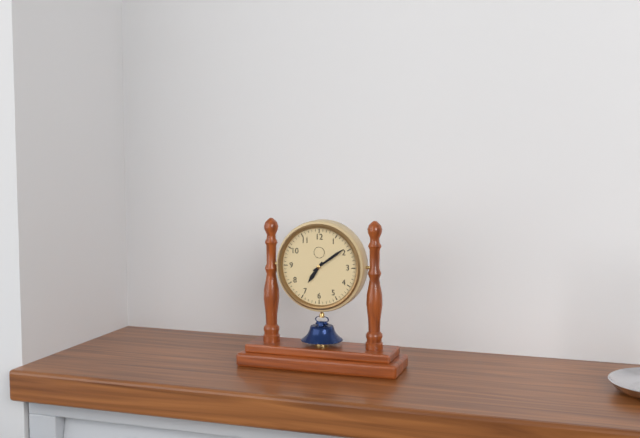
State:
7h09
